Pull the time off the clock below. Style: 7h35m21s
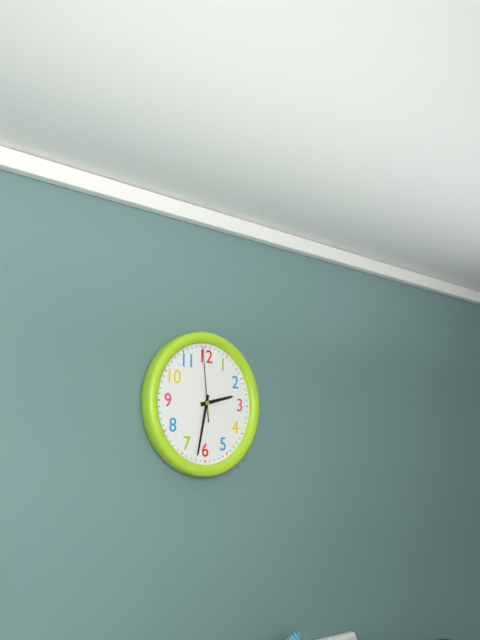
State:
2h32m59s
